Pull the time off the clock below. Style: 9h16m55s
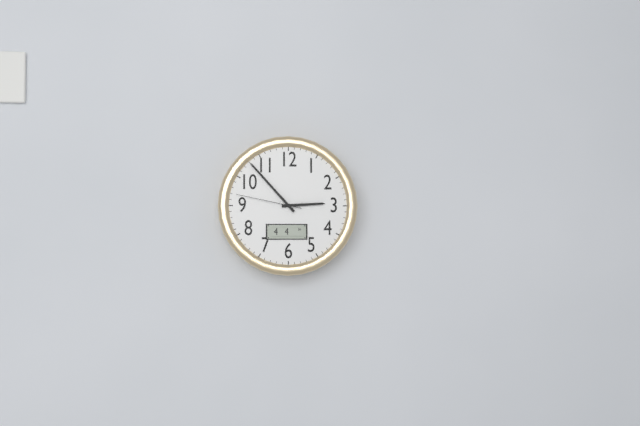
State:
2h53m47s
